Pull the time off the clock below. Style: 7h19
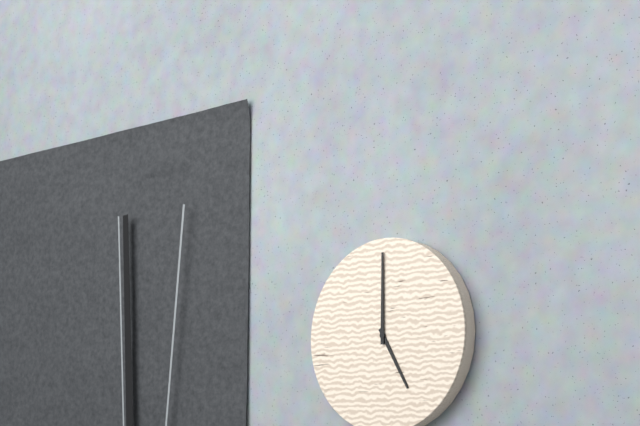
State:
5h00
